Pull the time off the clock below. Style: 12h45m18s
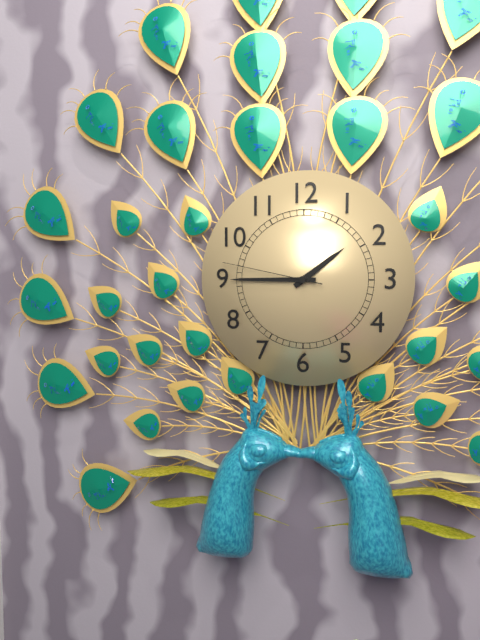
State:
1h45m47s
